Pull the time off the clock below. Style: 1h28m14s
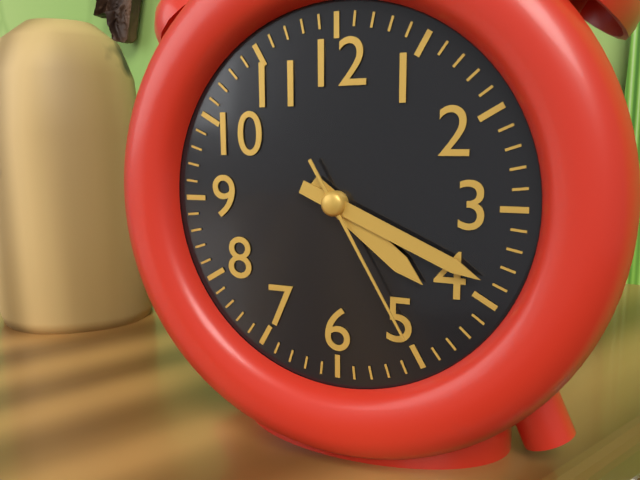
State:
4h19m25s
